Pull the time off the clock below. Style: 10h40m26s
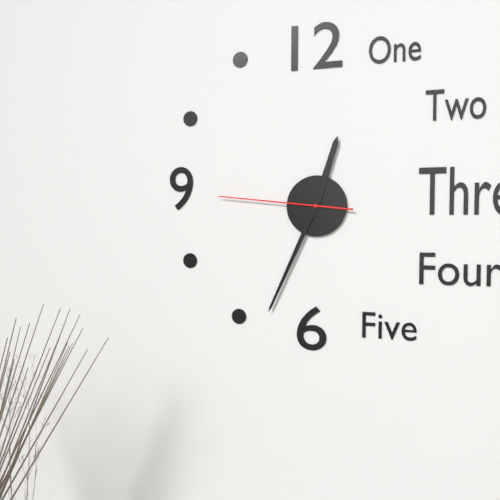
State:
12h34m46s
